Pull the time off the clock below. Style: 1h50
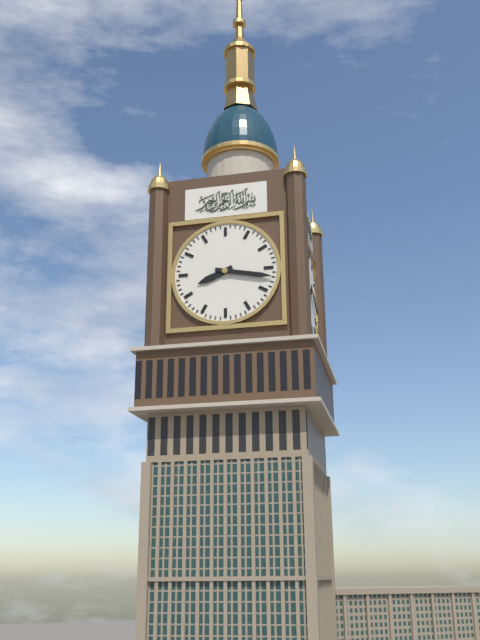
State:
8h17
